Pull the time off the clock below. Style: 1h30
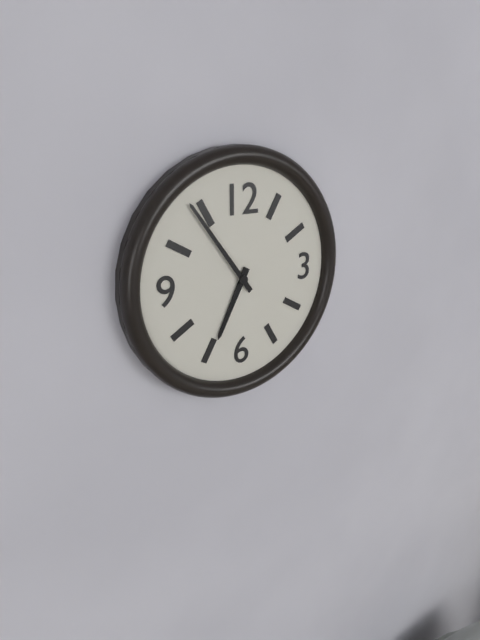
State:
6h54
